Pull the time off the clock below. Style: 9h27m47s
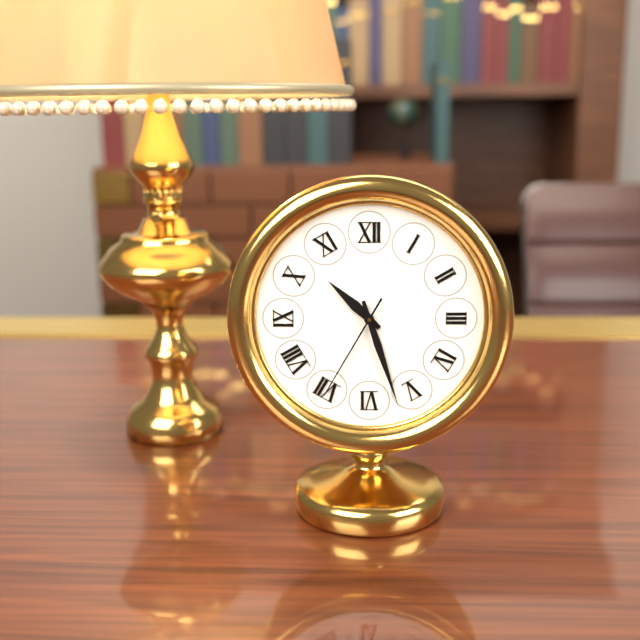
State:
10h27m35s
